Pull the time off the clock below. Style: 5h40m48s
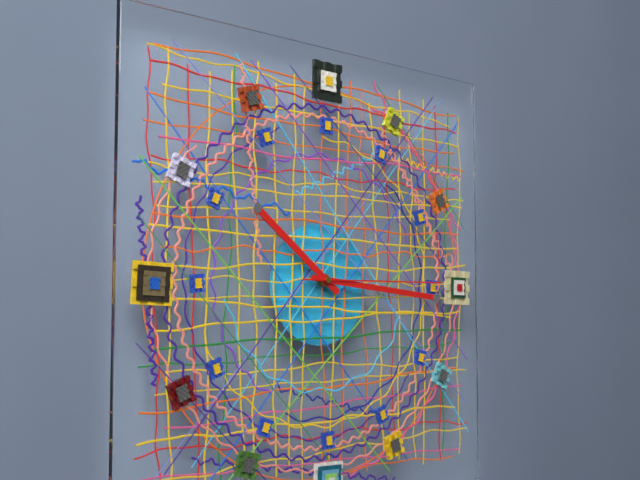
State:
10h16m15s
